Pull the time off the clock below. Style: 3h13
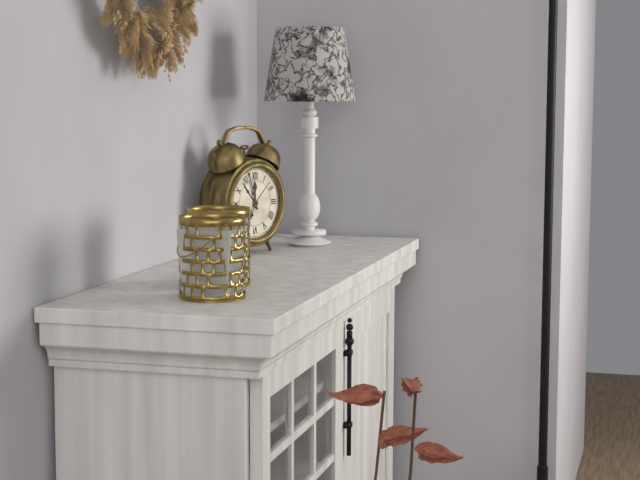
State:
11h57
